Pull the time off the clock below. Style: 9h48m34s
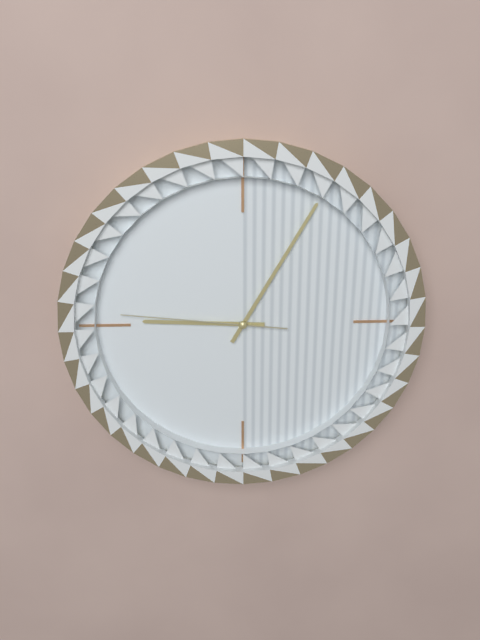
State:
9h05m46s
